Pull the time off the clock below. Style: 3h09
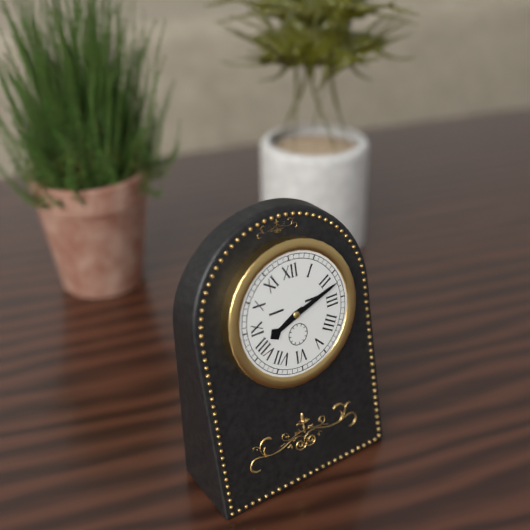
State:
8h12
